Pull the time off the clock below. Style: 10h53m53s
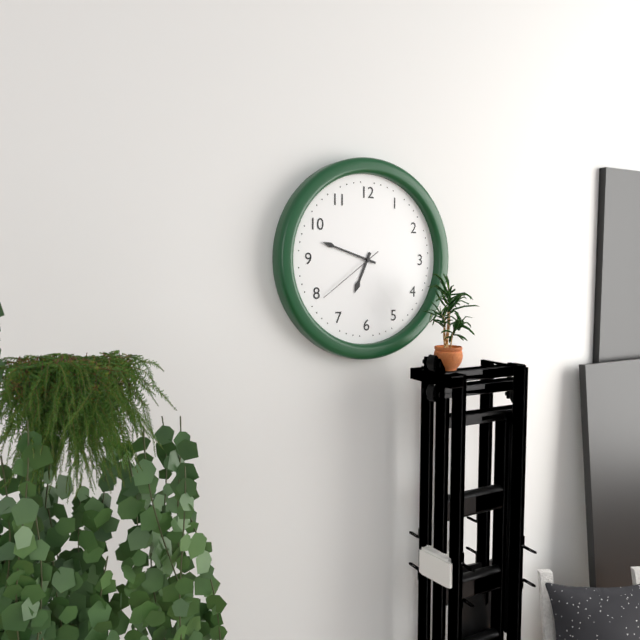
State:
6h48m39s
